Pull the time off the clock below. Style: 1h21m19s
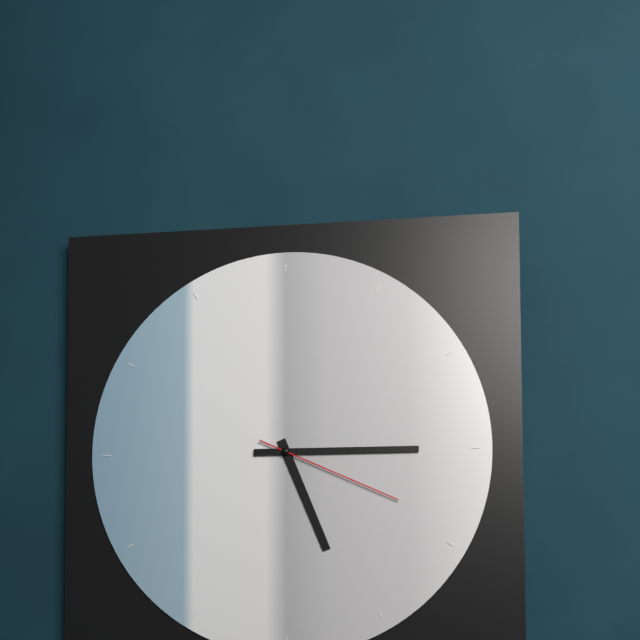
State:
5h15m19s
